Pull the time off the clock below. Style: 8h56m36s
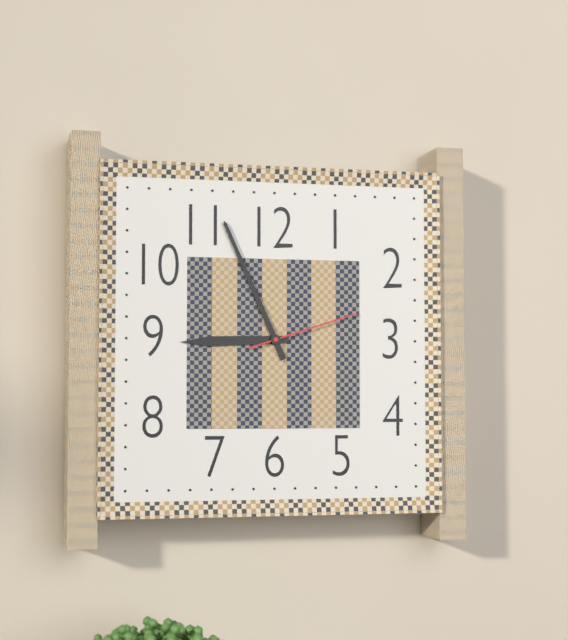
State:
8h56m12s
